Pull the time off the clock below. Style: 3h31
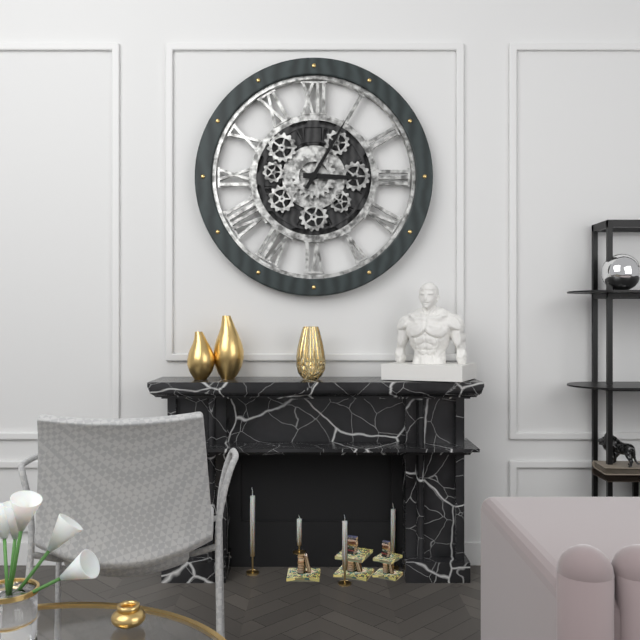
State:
3h05
